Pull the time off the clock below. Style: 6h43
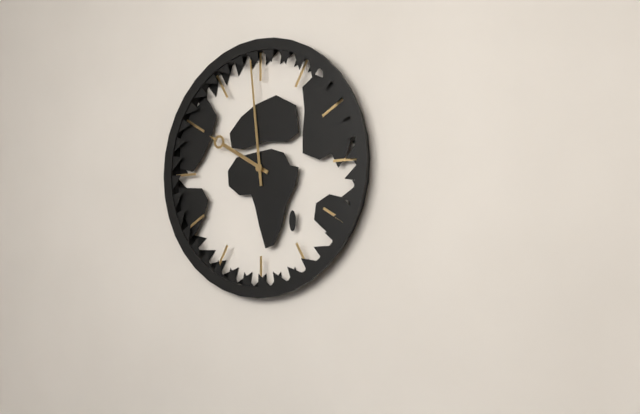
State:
9h59
